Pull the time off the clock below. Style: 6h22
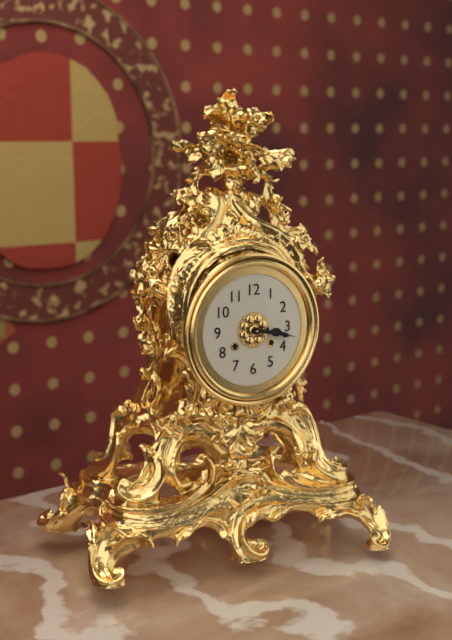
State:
3h17
